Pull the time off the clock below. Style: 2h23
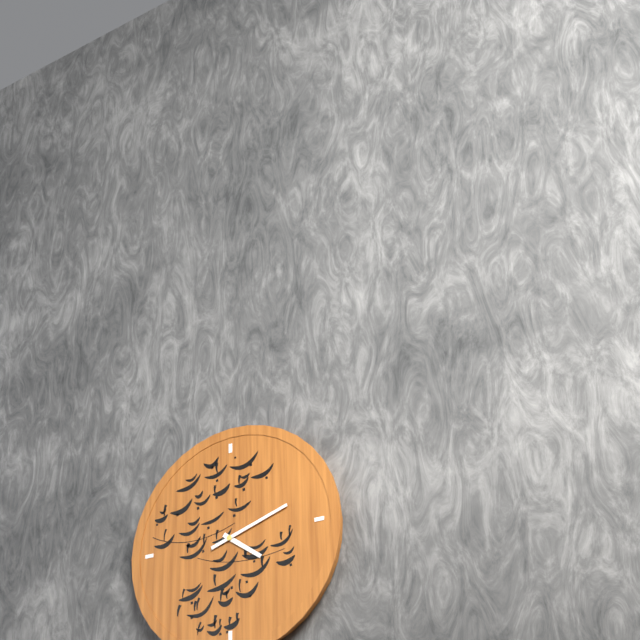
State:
4h12
